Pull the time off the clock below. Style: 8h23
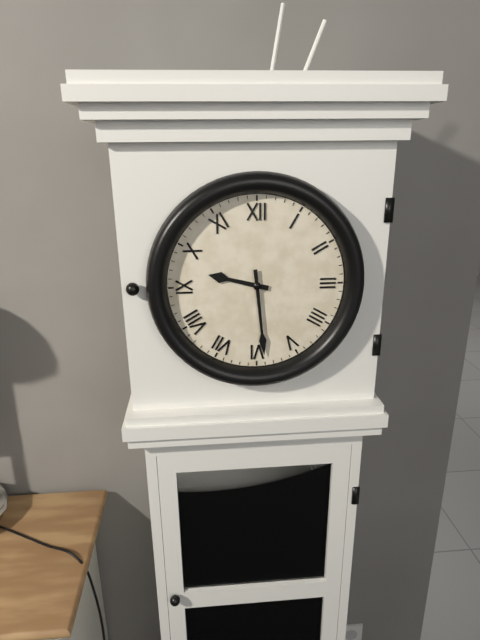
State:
9h29
